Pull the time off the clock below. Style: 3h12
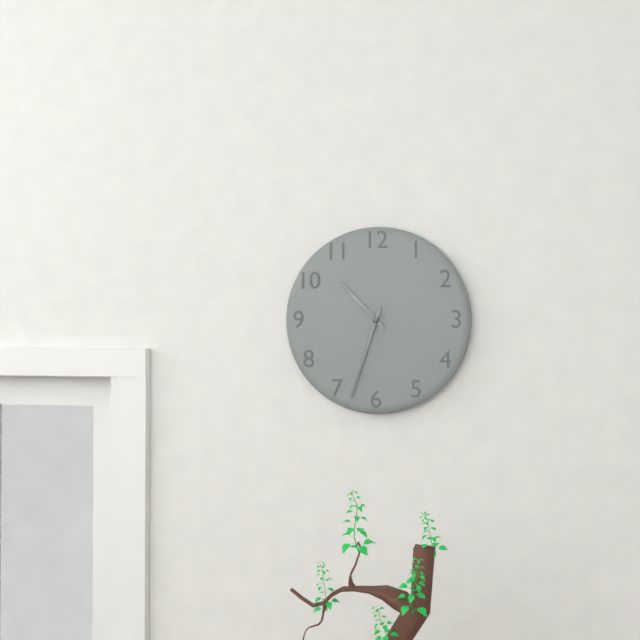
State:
10h33
